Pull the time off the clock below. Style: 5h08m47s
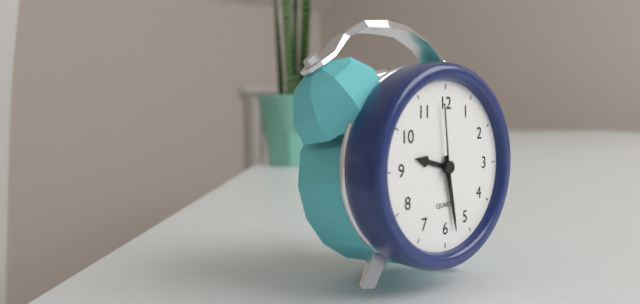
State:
9h28m59s
